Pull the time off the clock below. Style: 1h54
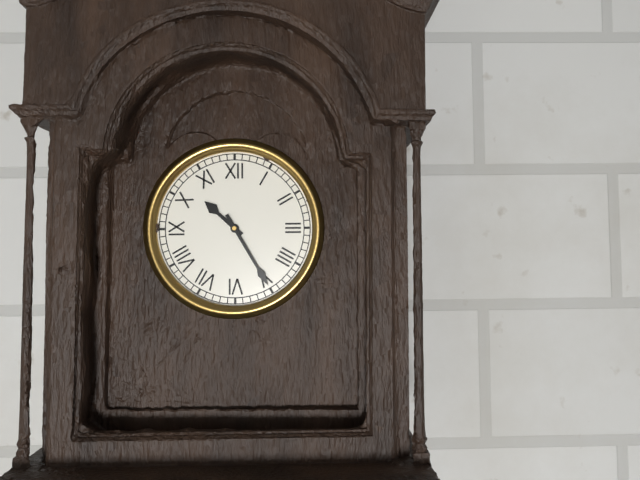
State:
10h25
